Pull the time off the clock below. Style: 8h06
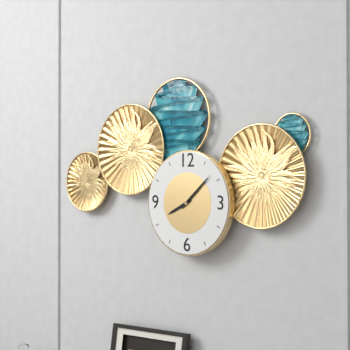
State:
8h08
